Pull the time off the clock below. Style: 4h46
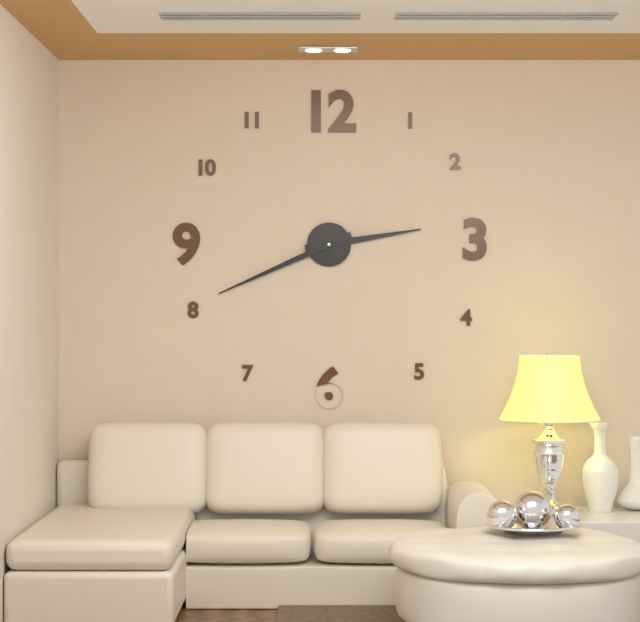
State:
2h41
